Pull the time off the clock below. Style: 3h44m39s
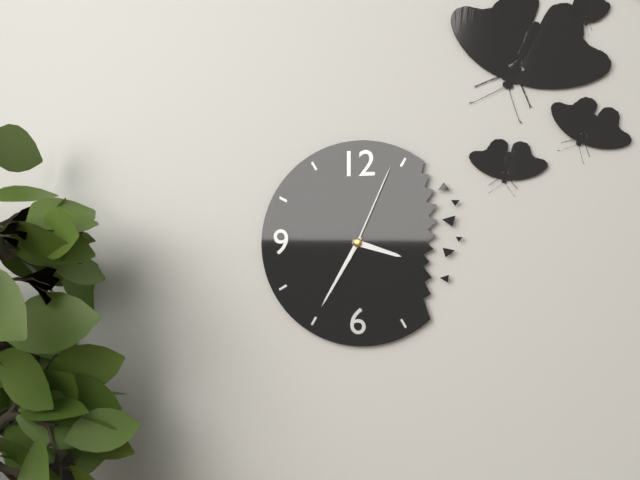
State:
3h35m04s
